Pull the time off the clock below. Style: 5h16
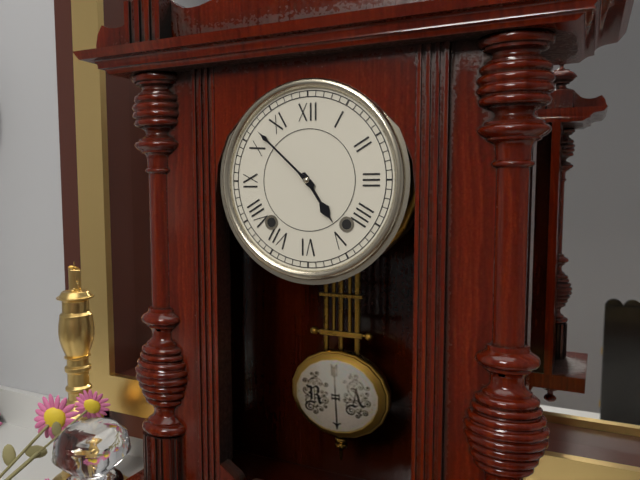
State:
4h52
